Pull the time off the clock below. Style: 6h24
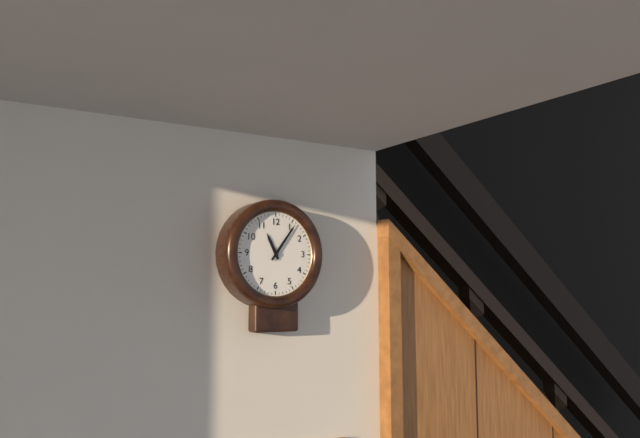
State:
11h06
